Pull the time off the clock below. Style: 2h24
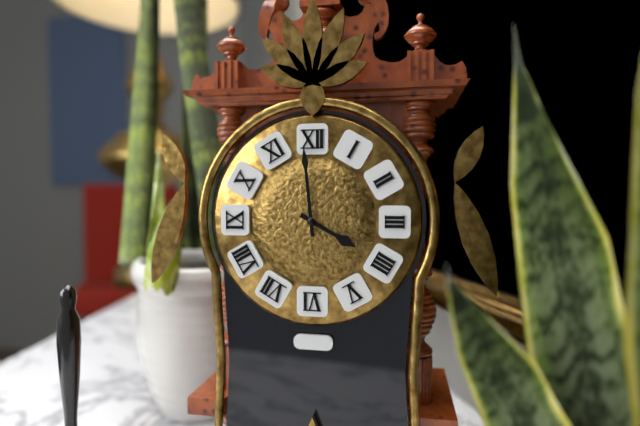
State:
3h59
